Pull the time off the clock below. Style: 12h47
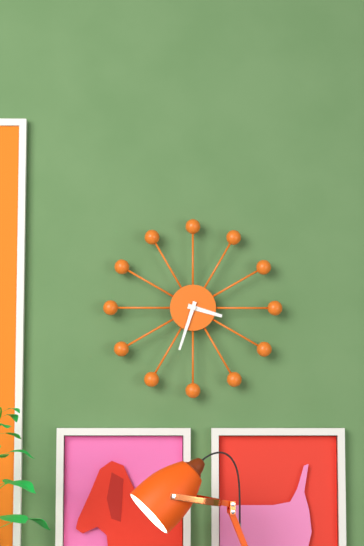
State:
3h33
